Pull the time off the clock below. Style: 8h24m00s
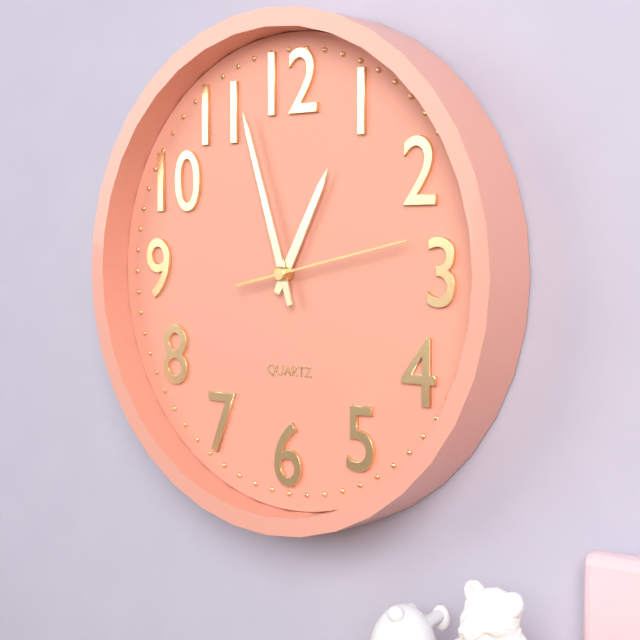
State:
12h57m13s
